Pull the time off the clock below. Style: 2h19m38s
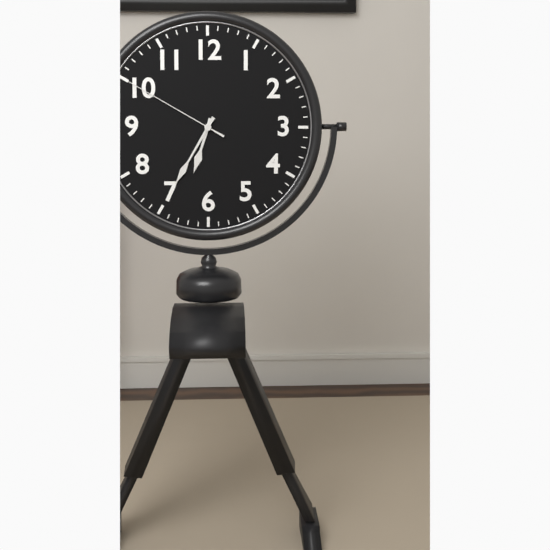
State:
6h35m50s
